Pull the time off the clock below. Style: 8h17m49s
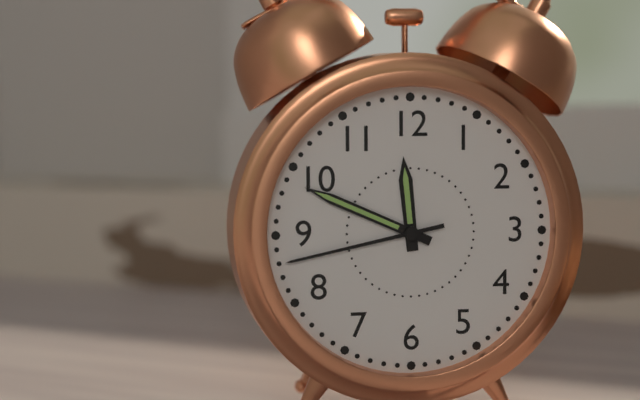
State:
11h49m43s
